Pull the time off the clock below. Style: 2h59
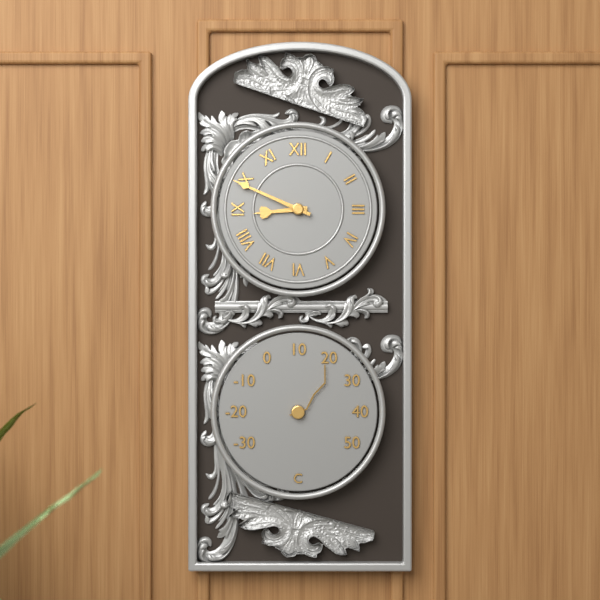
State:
8h49
